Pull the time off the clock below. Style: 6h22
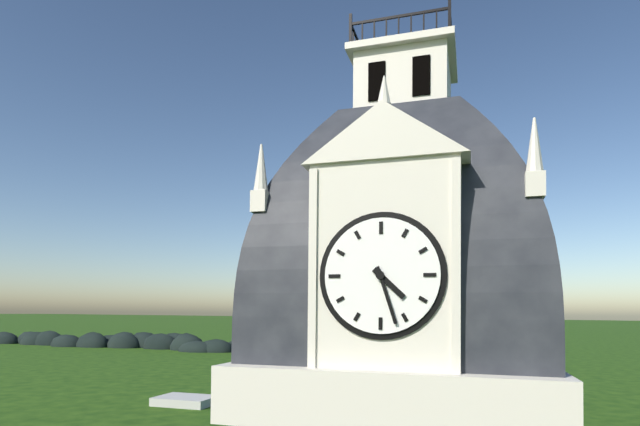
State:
4h27
